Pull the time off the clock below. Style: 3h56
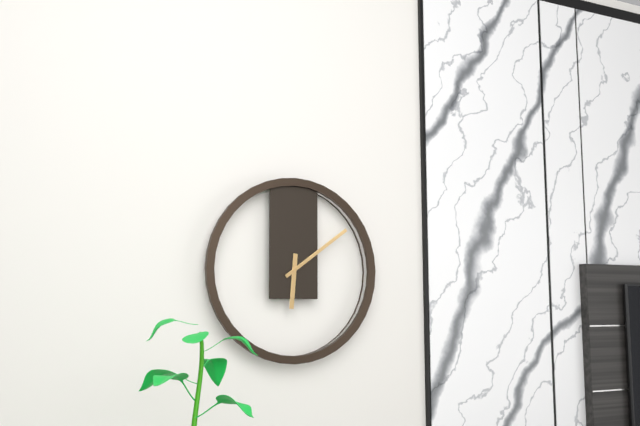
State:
6h09
